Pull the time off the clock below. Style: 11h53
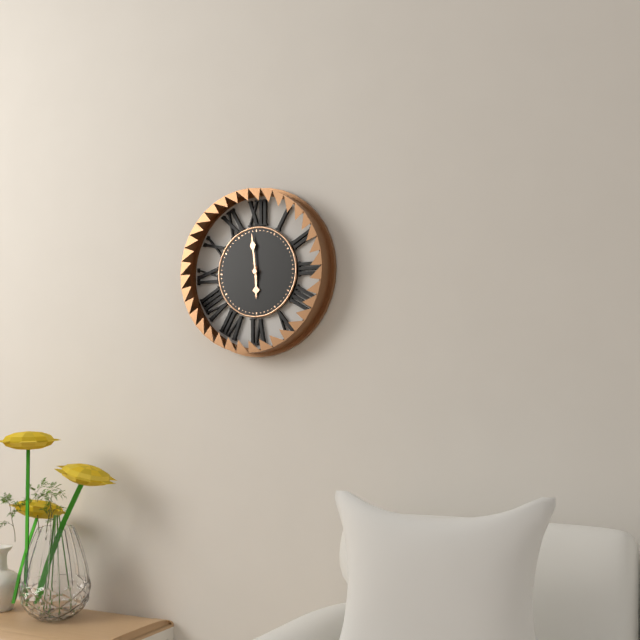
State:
5h59
